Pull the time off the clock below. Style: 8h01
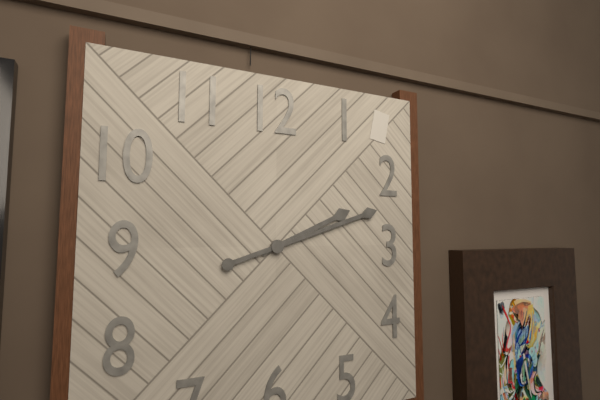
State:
2h12
